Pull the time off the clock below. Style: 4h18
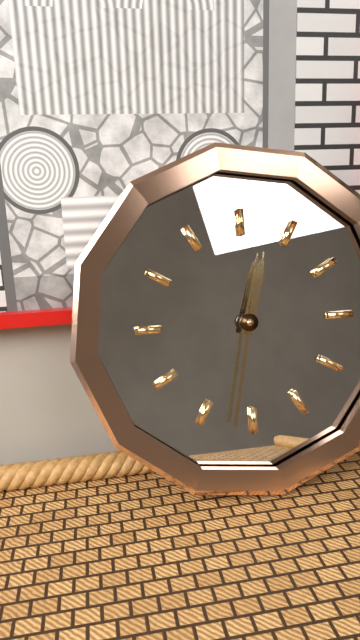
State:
12h32
